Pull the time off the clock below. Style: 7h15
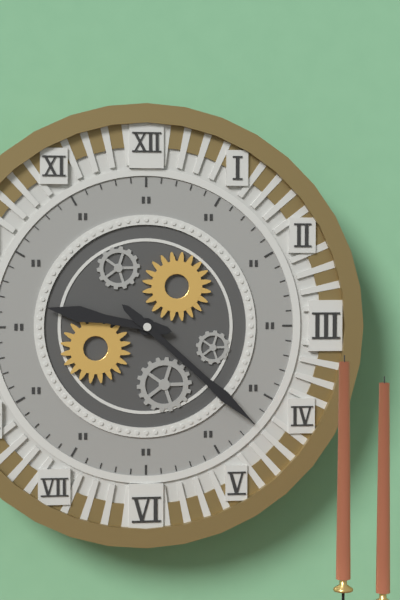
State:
9h22
